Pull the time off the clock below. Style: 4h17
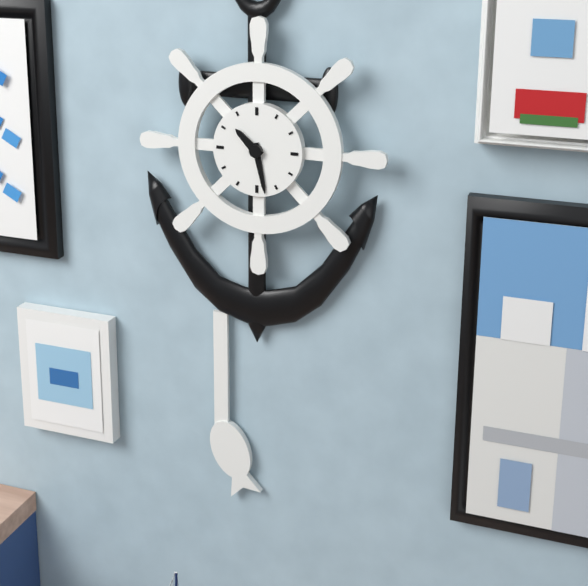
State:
10h28
